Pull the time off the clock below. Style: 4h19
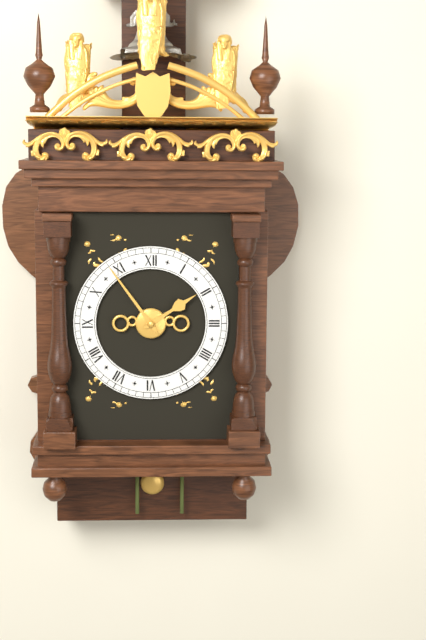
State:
1h54
